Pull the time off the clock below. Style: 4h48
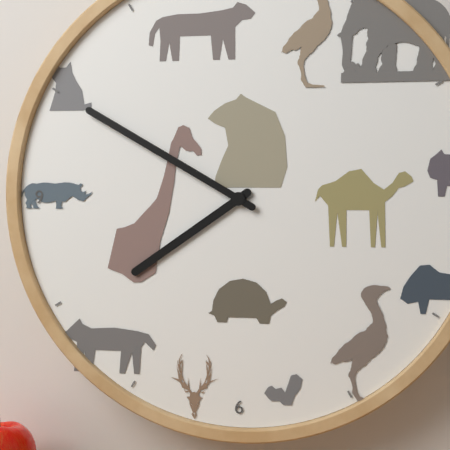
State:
7h50
